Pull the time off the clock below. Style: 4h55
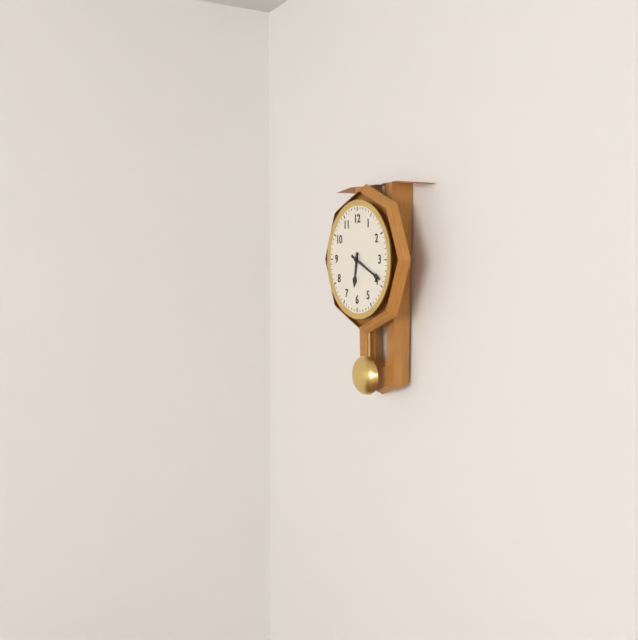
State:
6h19
